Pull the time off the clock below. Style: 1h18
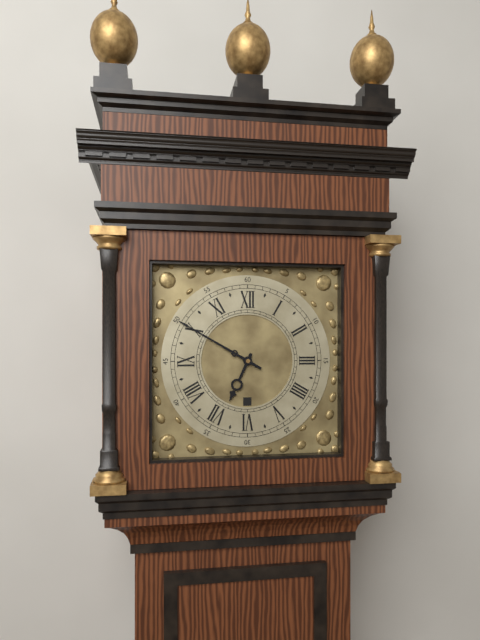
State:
6h50
